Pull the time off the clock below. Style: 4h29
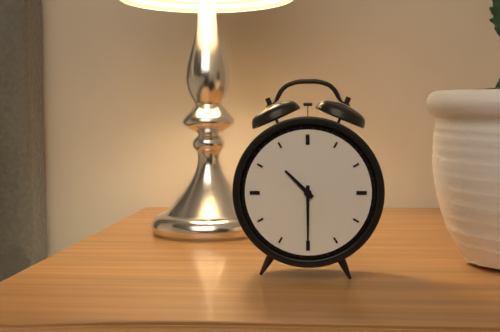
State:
10h30
